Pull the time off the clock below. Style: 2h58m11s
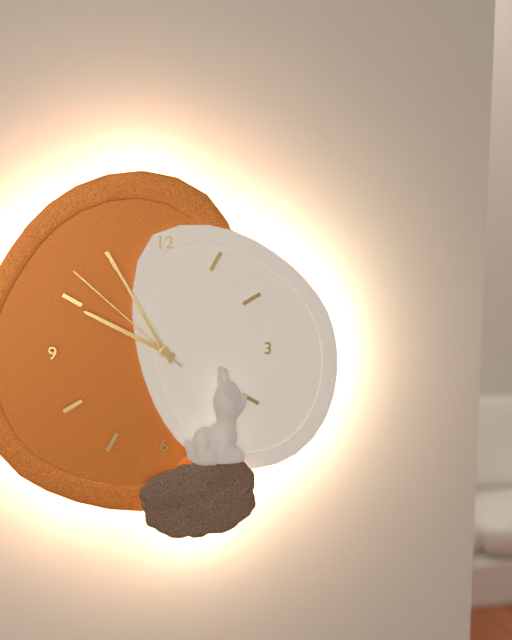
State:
9h55m52s
